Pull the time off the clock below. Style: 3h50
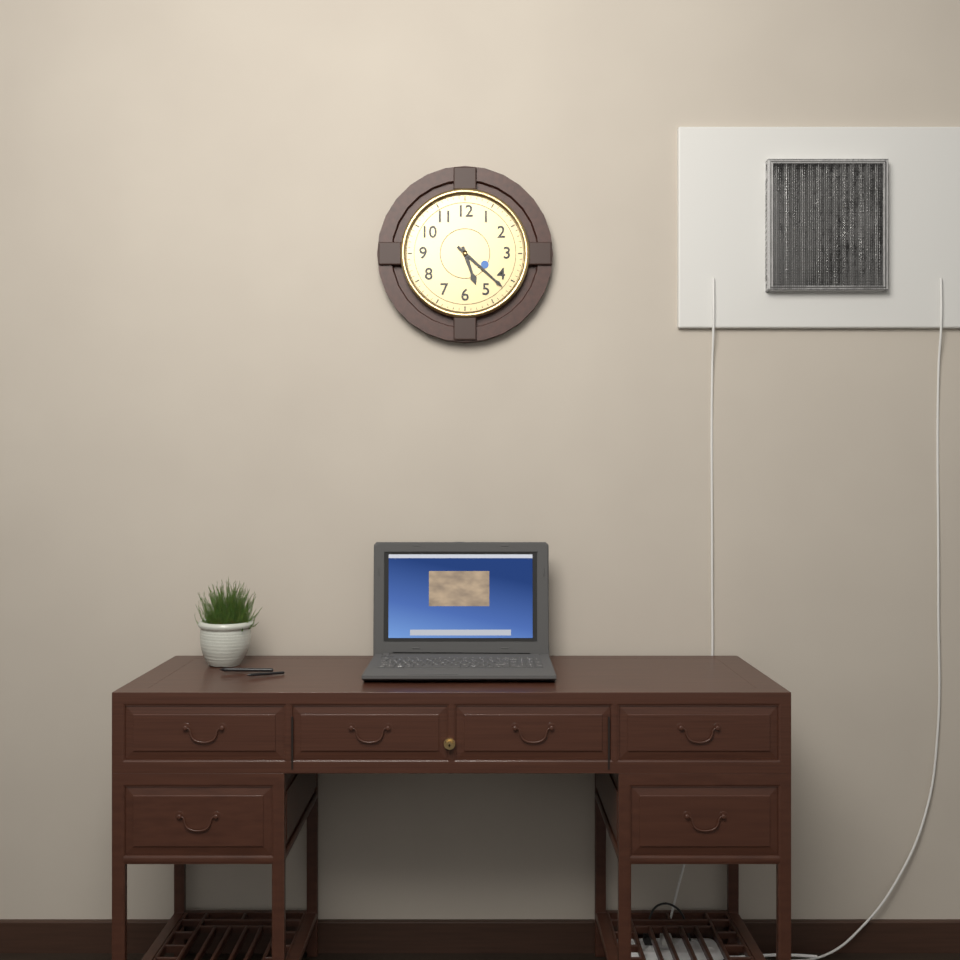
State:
5h22
